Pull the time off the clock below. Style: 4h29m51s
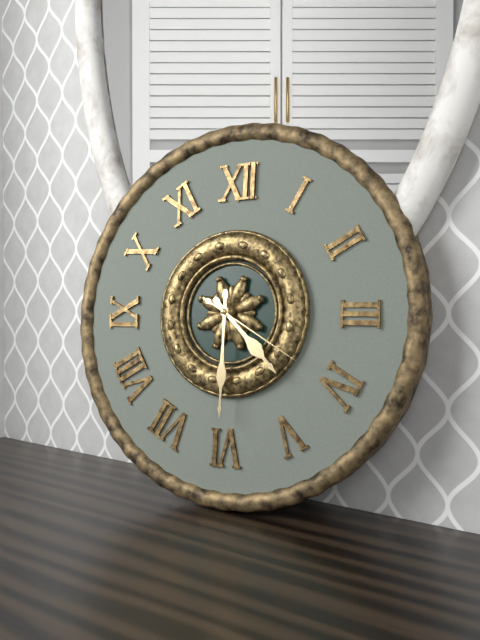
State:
4h30m20s
